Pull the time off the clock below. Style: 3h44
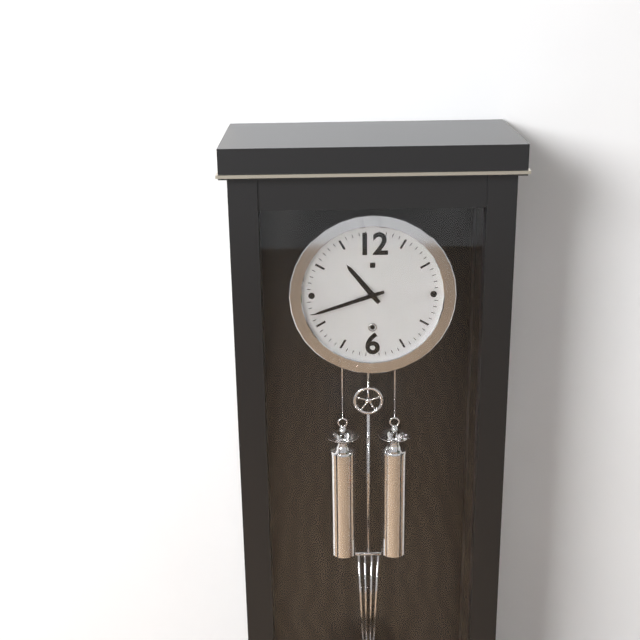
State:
10h42
